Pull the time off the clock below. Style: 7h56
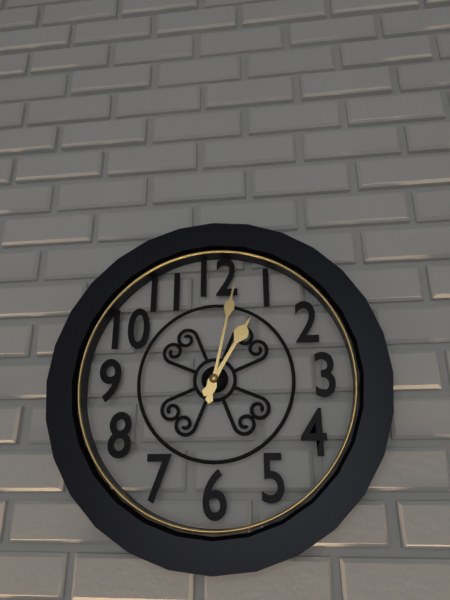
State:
1h02
